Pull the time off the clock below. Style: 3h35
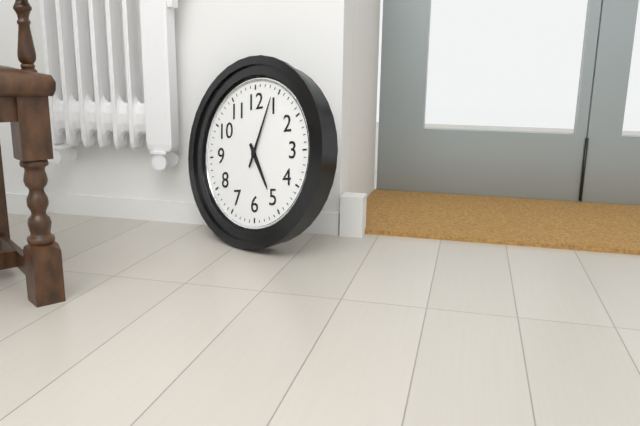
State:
5h04
